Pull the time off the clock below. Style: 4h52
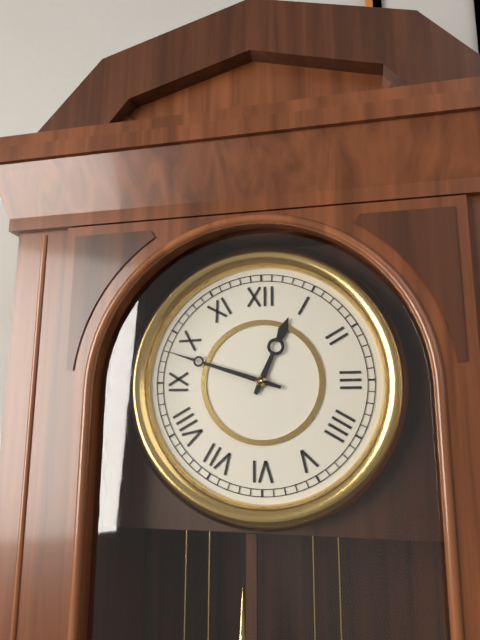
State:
12h48
